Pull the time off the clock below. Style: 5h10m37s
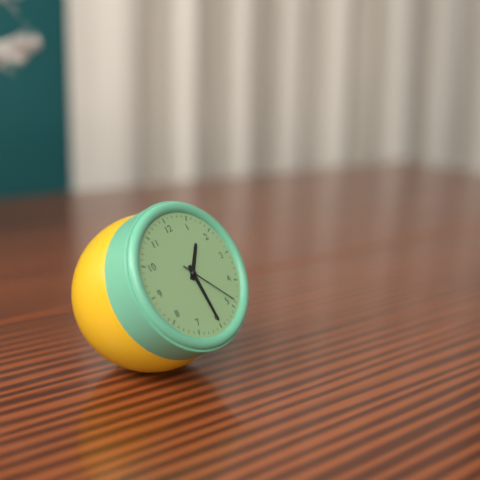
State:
1h30m24s
